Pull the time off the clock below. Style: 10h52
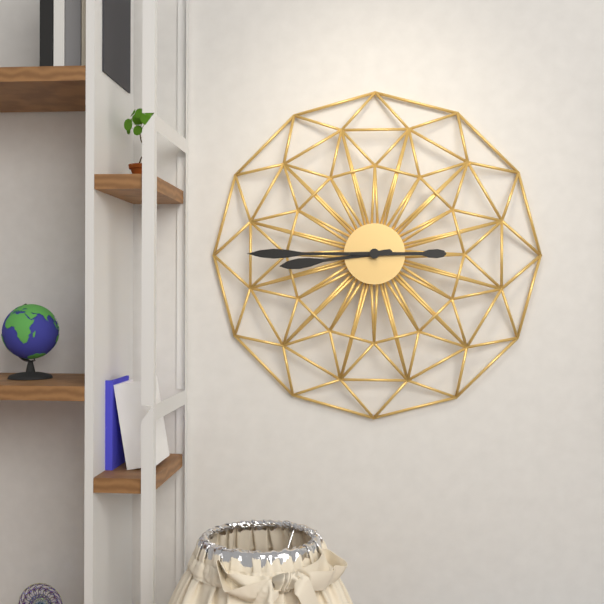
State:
8h45
